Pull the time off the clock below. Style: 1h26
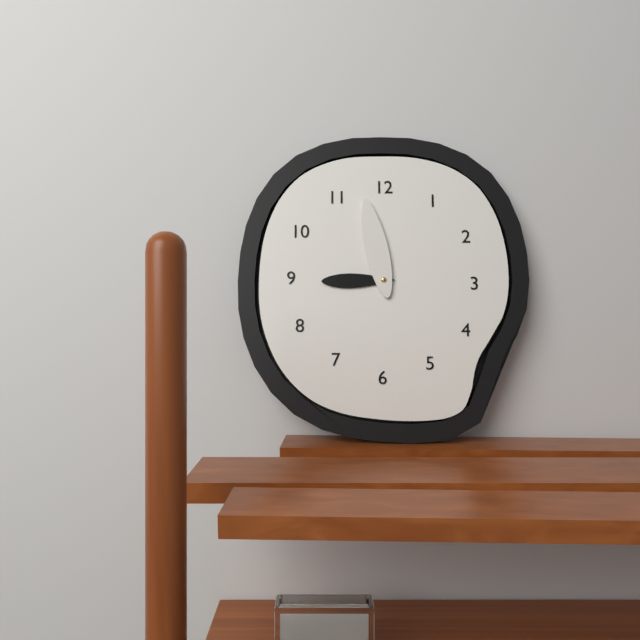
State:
8h58
